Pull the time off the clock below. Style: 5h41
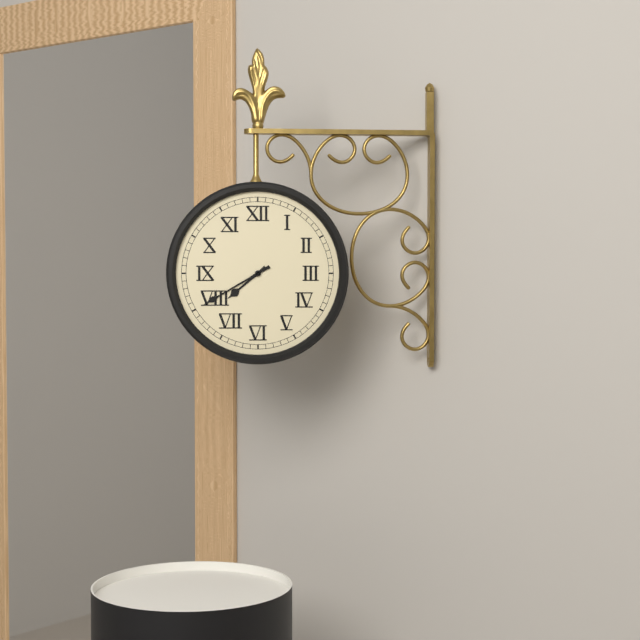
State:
7h40
